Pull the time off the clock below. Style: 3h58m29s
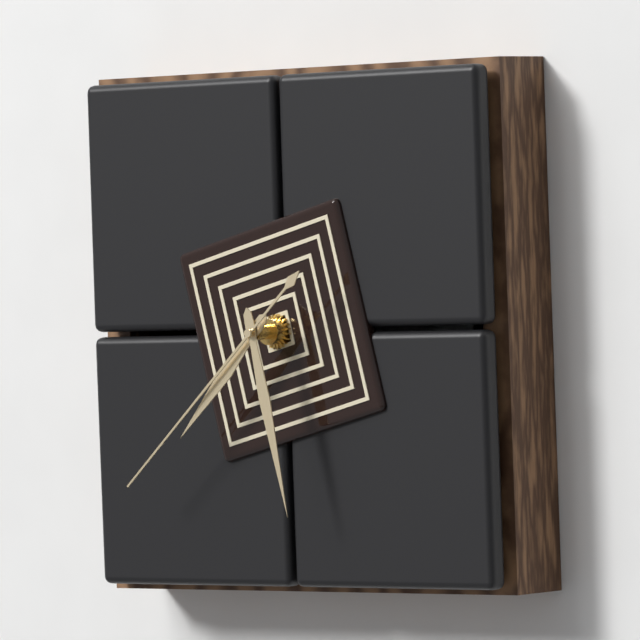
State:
7h28m38s
